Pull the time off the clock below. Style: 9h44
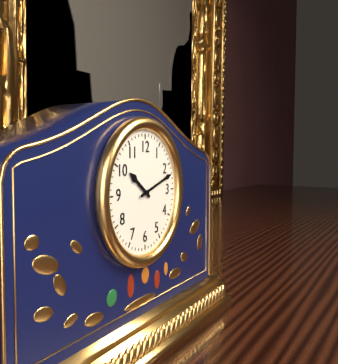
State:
10h12
